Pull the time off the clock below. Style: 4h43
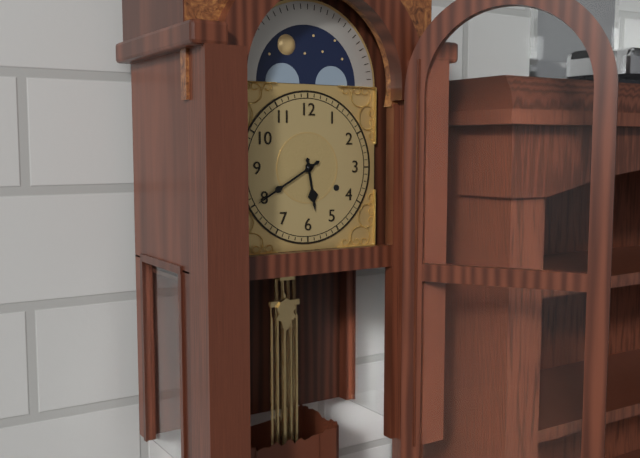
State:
5h40
